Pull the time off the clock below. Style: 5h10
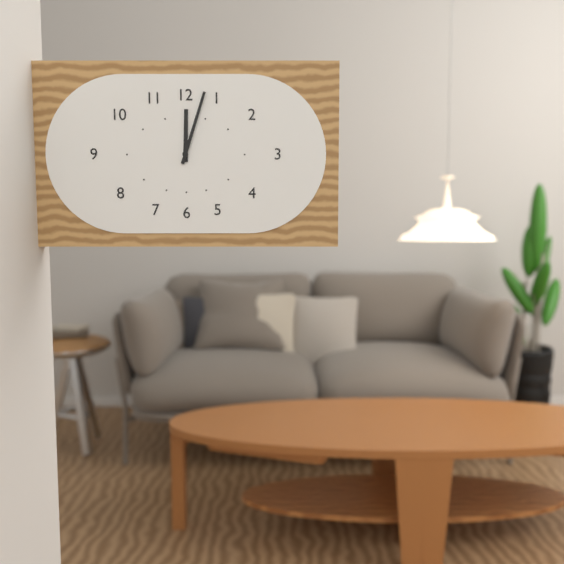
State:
12h03
